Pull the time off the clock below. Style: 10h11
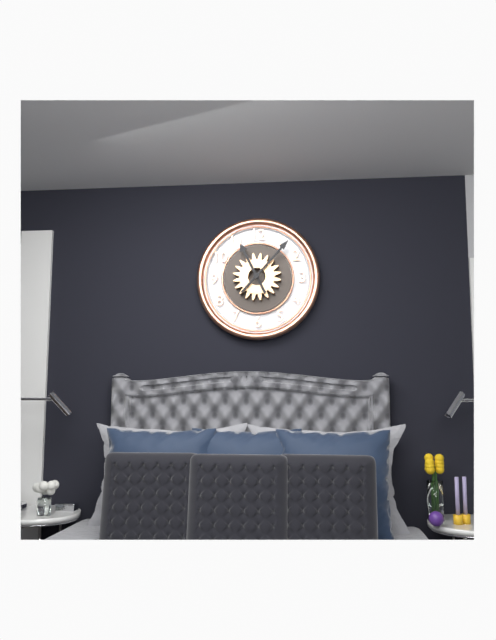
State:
11h07
